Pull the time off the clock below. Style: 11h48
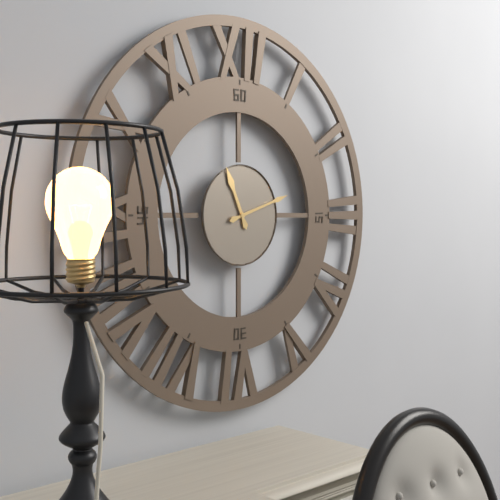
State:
11h12
